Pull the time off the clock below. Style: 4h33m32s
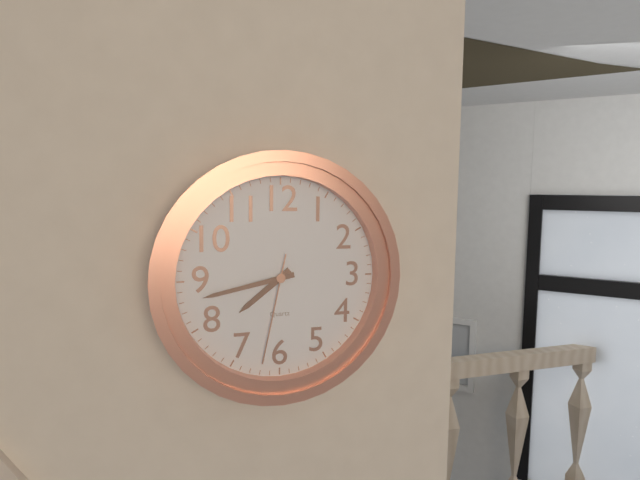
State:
7h43m32s
